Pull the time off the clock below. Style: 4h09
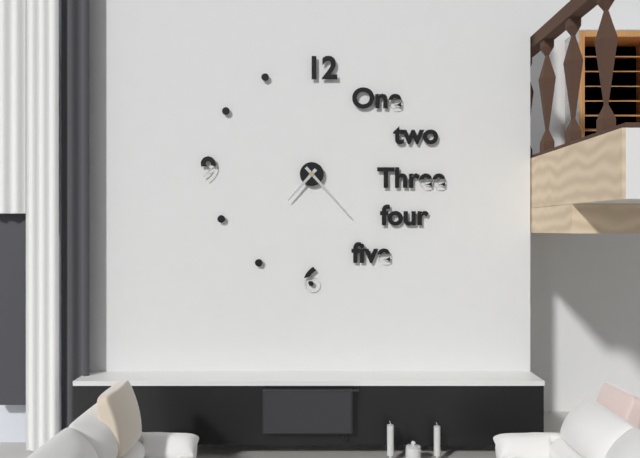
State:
7h23
